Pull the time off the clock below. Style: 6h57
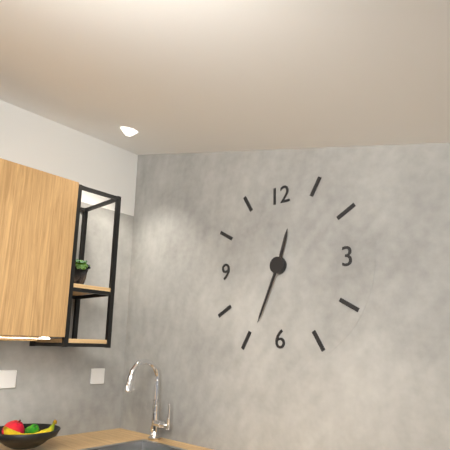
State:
12h34
